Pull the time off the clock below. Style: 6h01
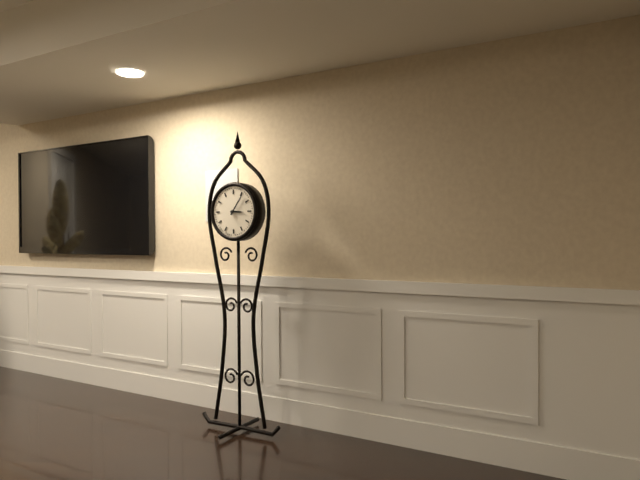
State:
3h06
